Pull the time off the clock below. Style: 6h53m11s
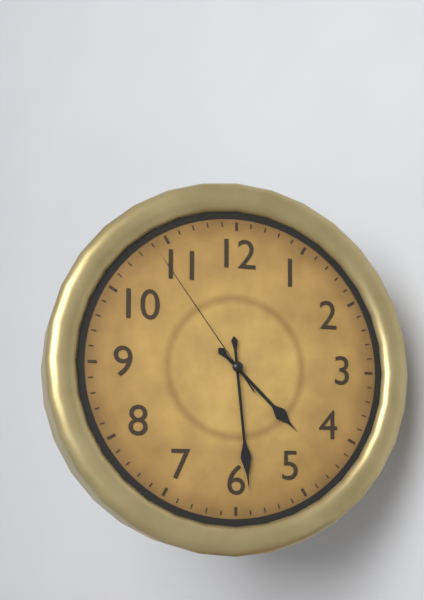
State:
4h29m54s
